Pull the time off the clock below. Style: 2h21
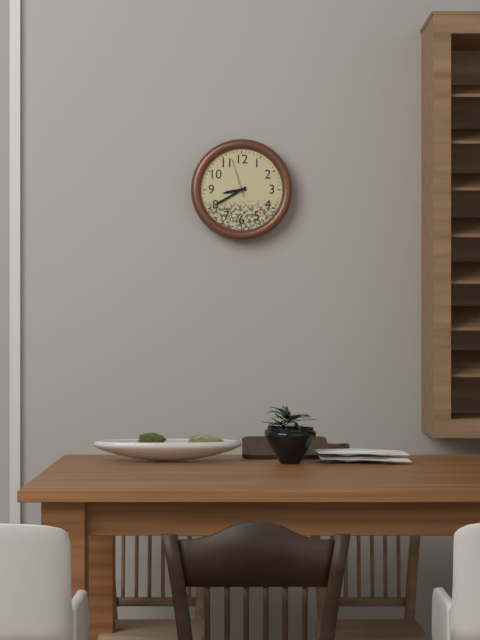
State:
8h40
